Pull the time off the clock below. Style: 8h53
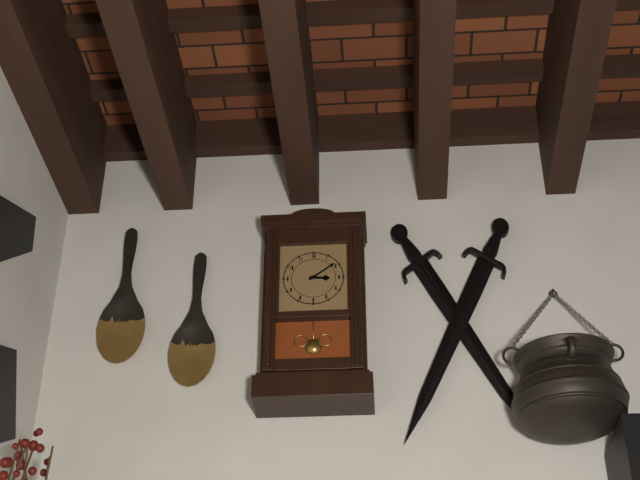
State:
3h09
